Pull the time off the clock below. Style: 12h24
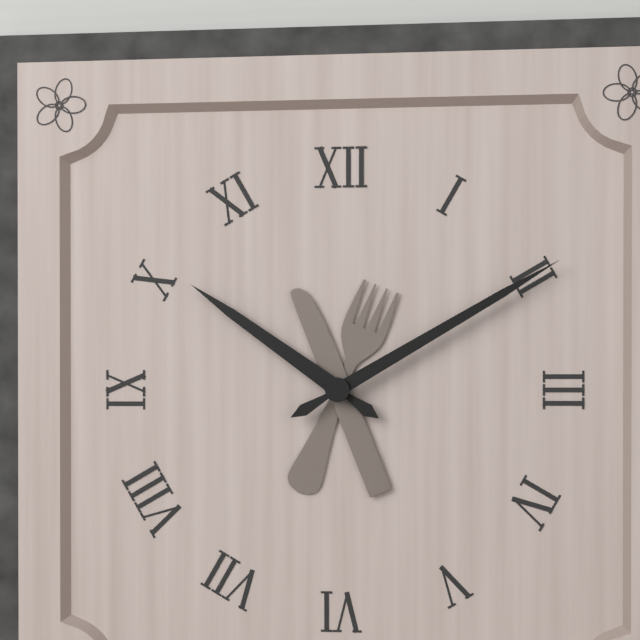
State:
10h10
